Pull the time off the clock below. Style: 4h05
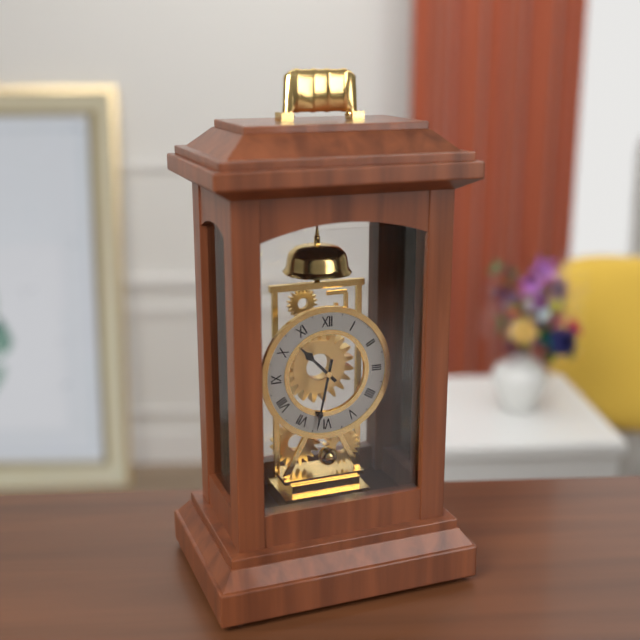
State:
10h32
